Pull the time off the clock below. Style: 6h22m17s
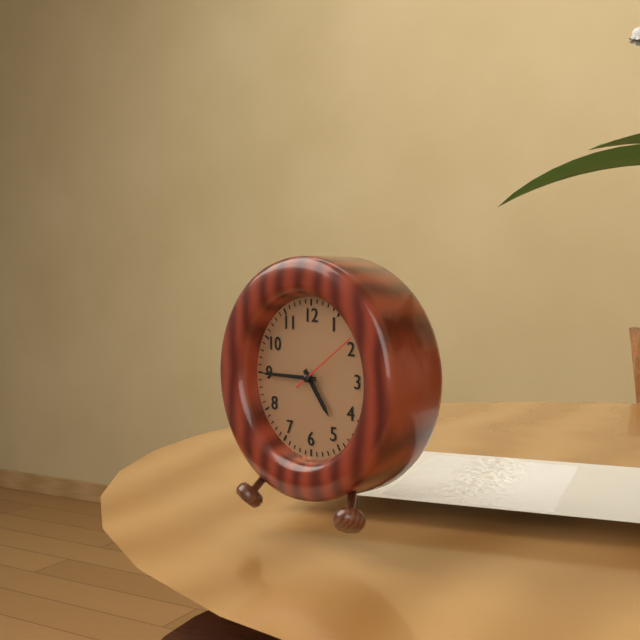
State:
4h45m09s
